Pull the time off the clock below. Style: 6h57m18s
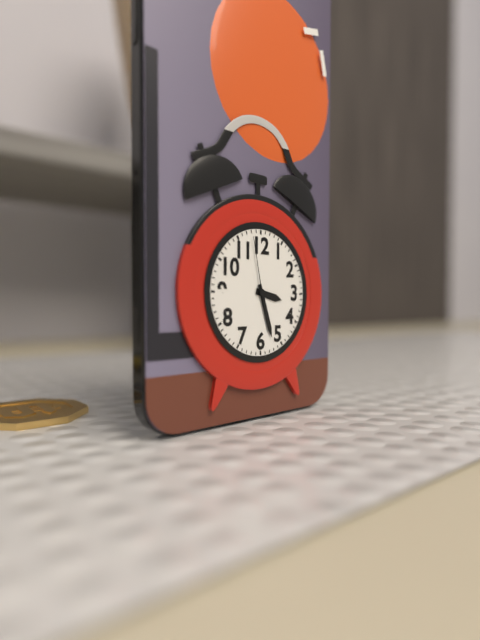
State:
3h27m58s
